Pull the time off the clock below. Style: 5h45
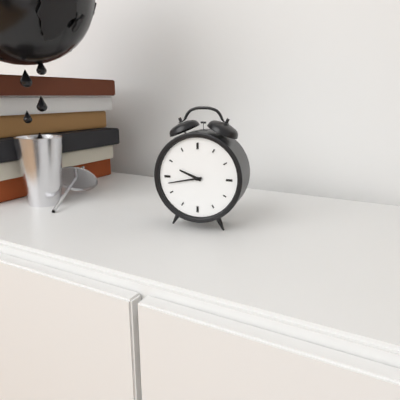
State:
9h43
